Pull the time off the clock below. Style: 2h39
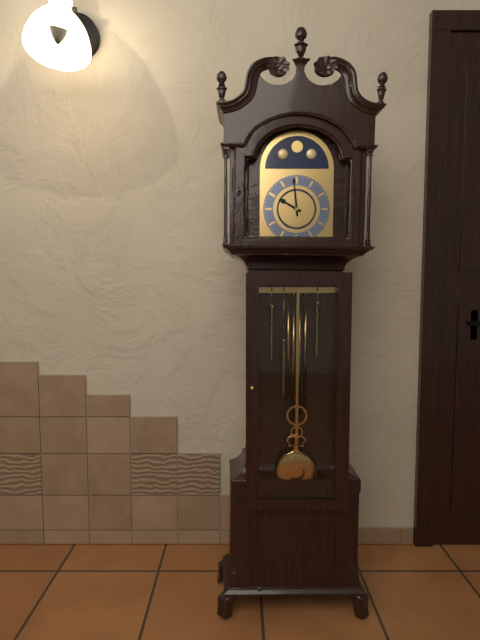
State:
9h59
